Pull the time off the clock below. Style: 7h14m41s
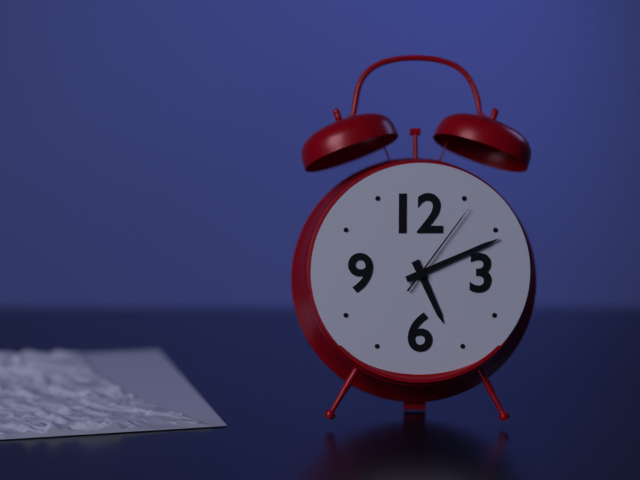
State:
5h11m06s
